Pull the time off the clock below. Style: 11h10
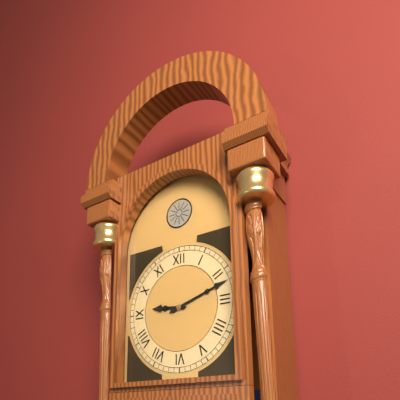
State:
9h12
